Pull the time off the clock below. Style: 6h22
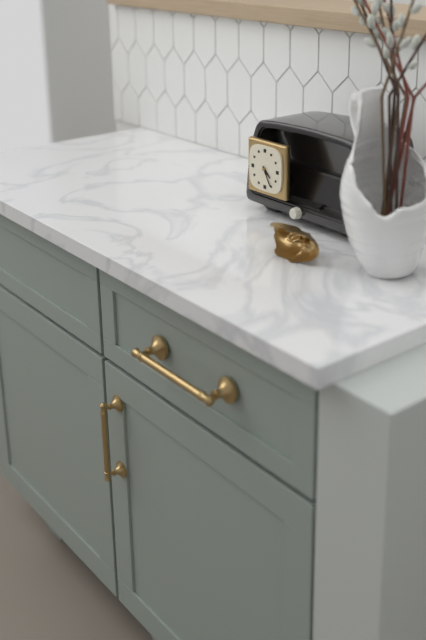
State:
4h25
